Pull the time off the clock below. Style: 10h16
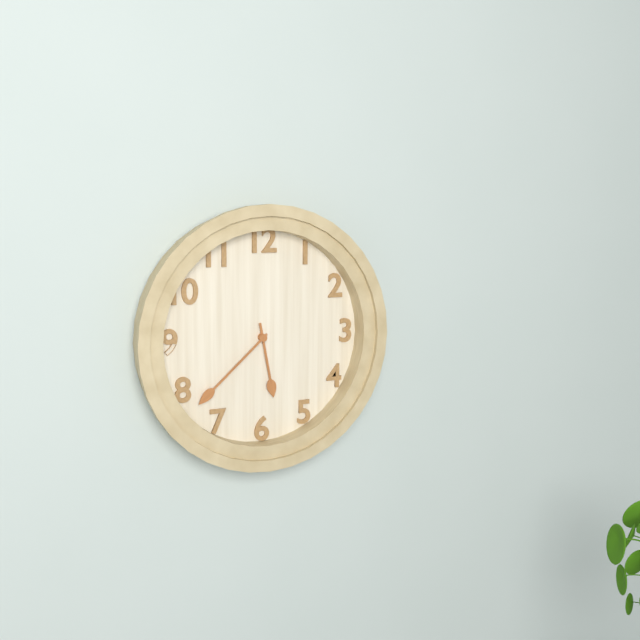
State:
5h38
